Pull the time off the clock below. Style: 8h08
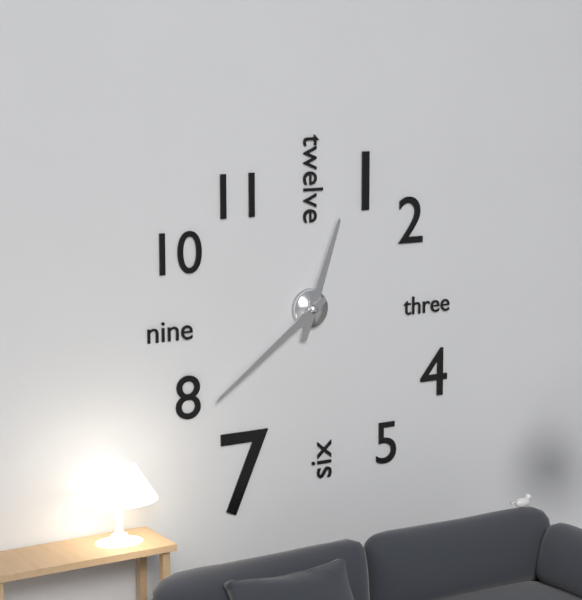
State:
12h39
